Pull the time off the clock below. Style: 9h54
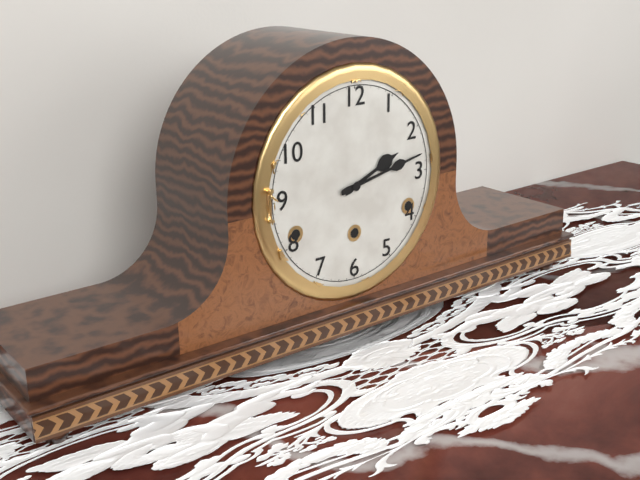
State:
2h13
